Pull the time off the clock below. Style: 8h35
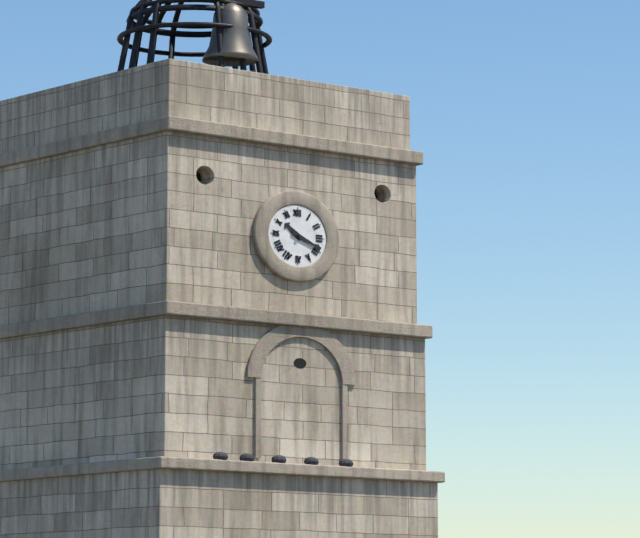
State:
10h19
